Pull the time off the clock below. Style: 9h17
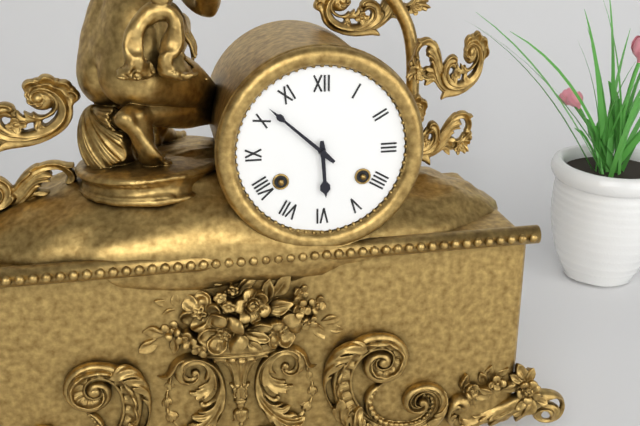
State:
5h52
